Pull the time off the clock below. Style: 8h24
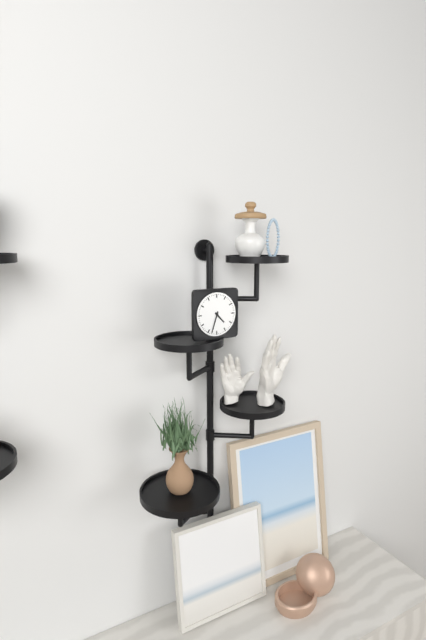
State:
4h33
